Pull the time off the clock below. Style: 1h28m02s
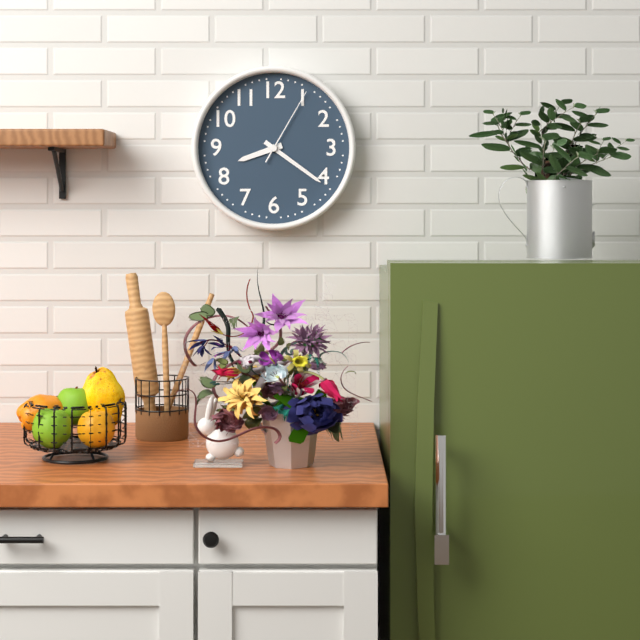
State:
8h21m05s
